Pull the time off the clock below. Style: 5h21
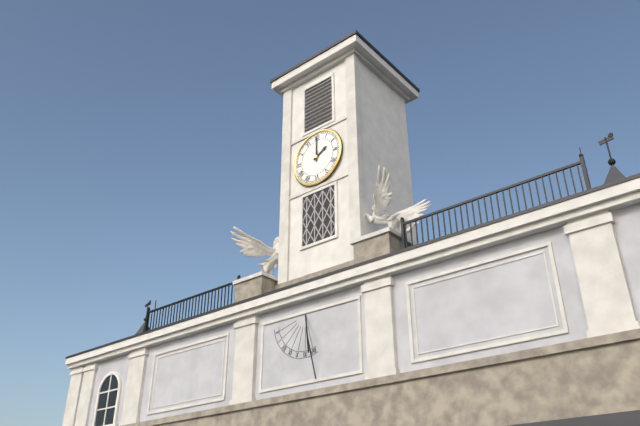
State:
2h00
